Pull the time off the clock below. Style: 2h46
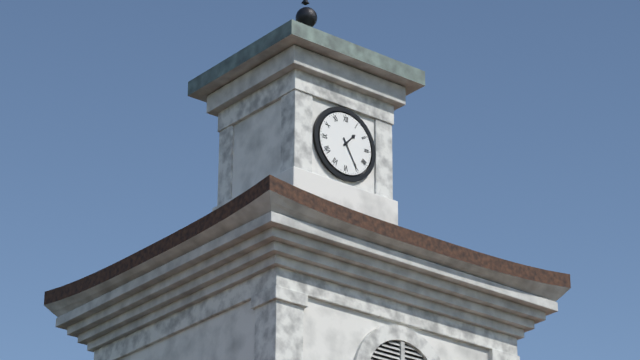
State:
1h25
